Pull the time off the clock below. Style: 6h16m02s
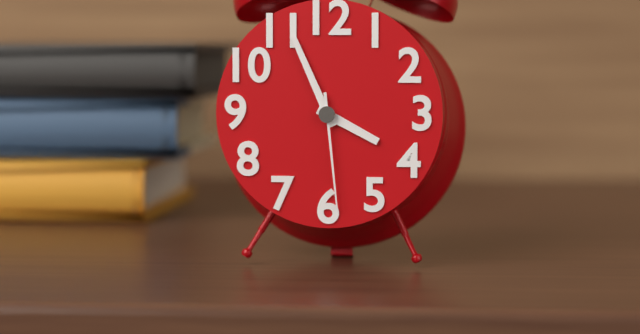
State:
3h56m29s
